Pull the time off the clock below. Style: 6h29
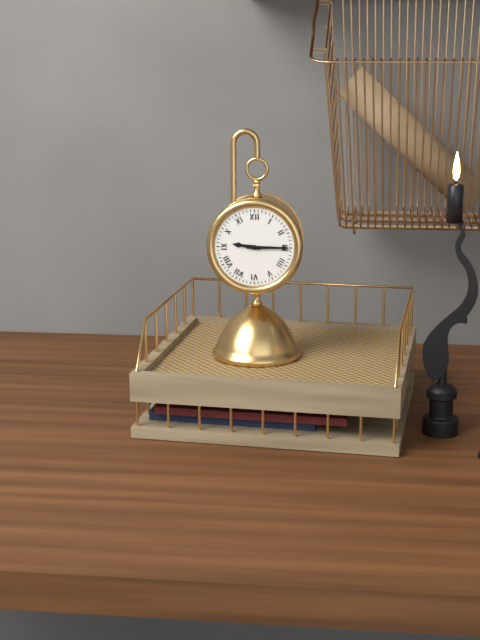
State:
9h15
